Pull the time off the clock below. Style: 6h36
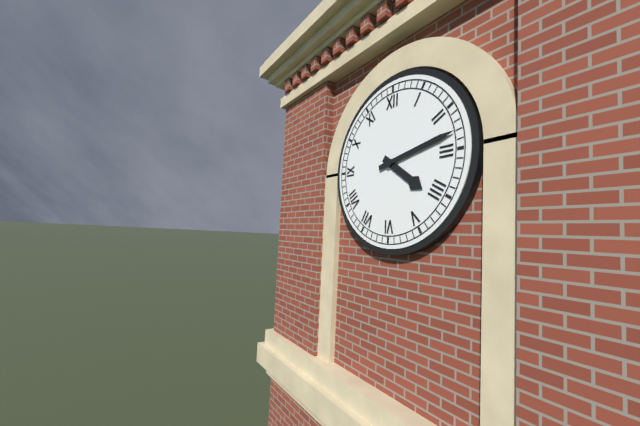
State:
4h13
